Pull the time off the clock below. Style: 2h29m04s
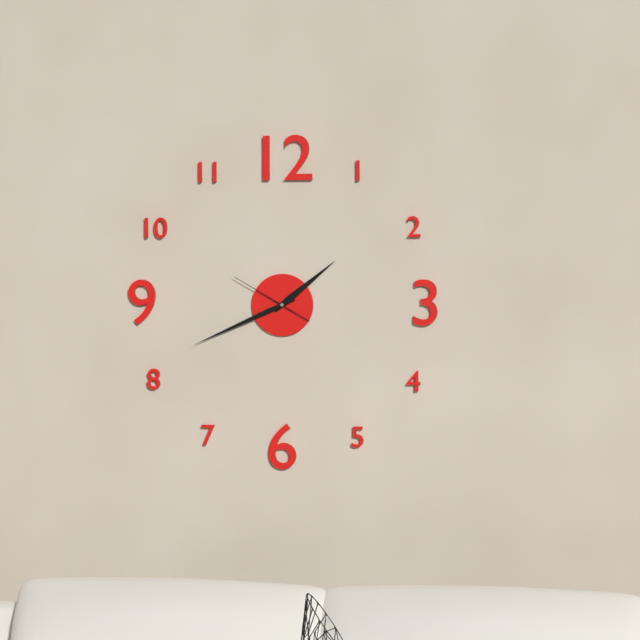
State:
1h41m50s
